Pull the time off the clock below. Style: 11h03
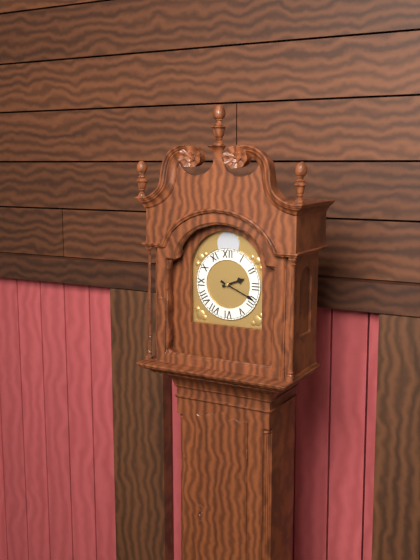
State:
2h19
